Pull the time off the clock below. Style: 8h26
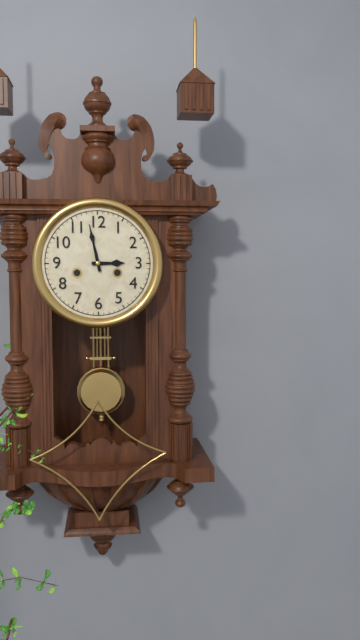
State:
2h58
